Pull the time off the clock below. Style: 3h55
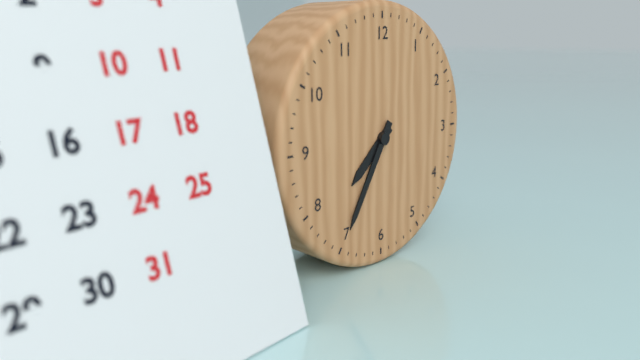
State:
7h35
